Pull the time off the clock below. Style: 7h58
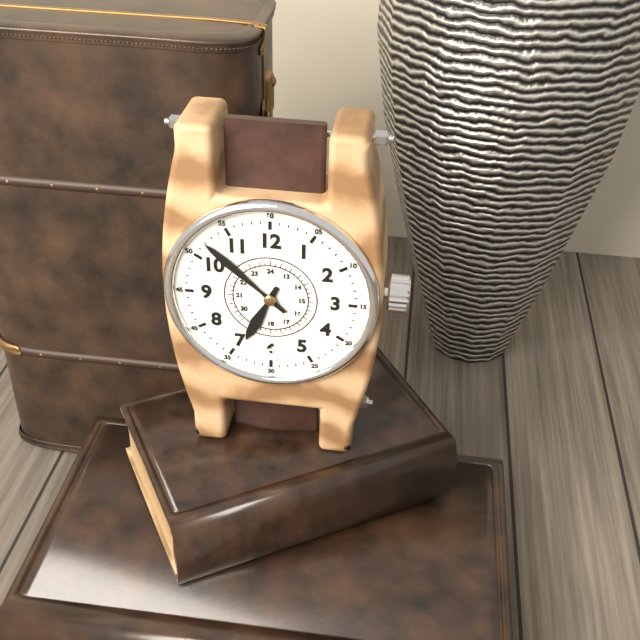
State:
6h52
